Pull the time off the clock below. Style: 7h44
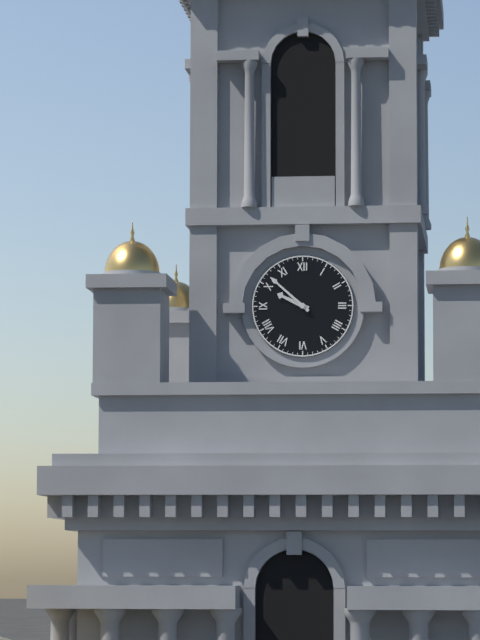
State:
9h52
